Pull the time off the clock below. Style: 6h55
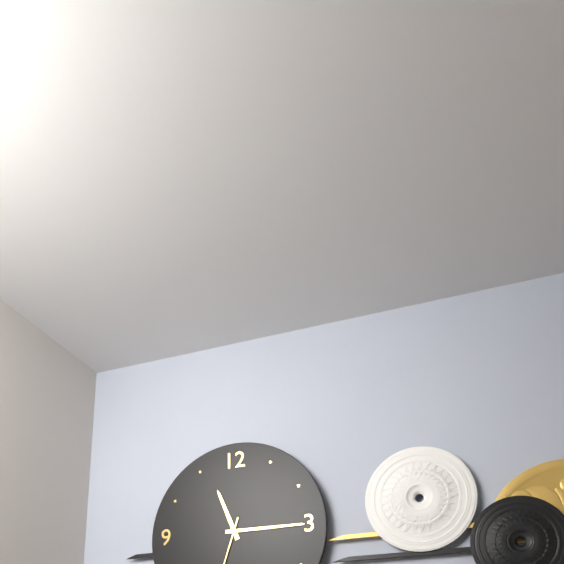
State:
11h15
